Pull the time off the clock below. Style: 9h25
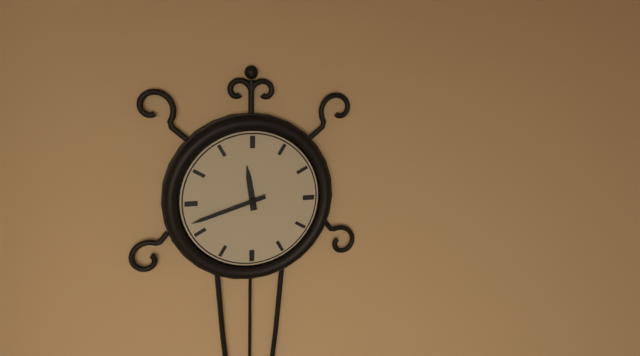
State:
11h42
